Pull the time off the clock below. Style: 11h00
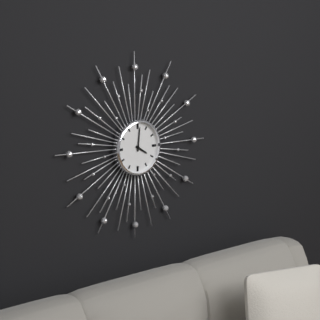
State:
4h01
